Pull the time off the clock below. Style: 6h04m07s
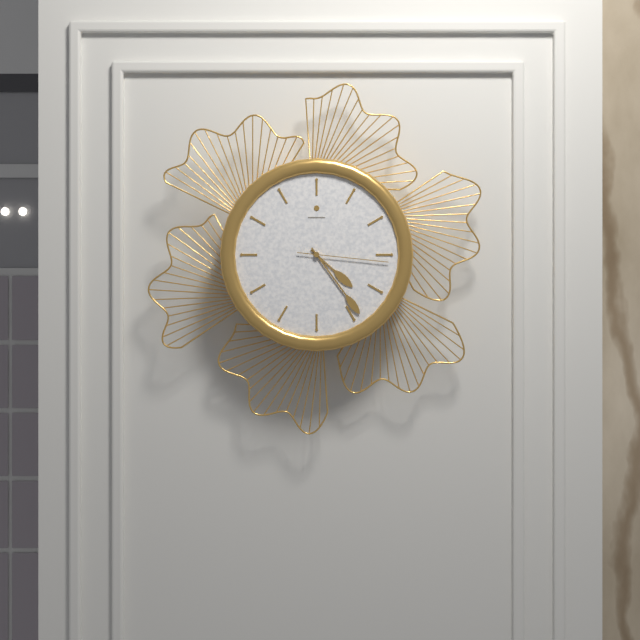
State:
4h24m16s
